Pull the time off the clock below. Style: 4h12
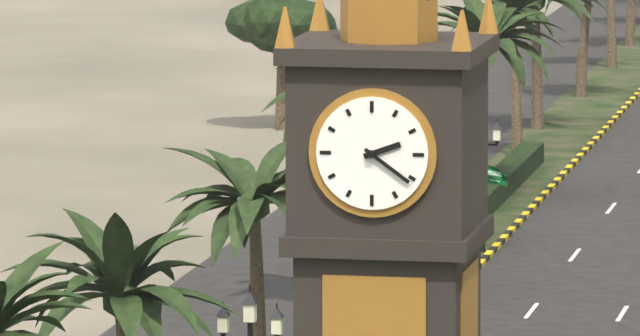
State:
2h21
